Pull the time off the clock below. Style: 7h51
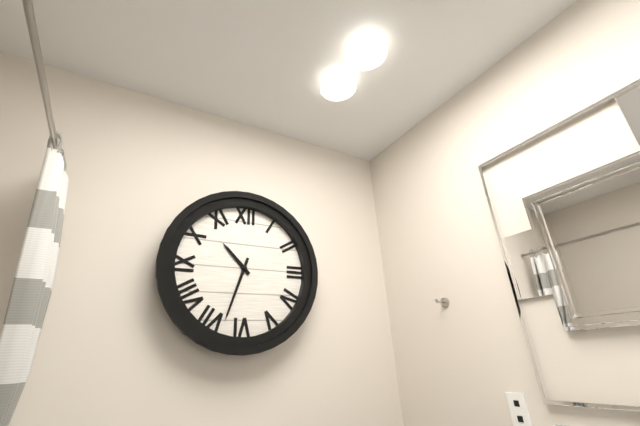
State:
10h33
